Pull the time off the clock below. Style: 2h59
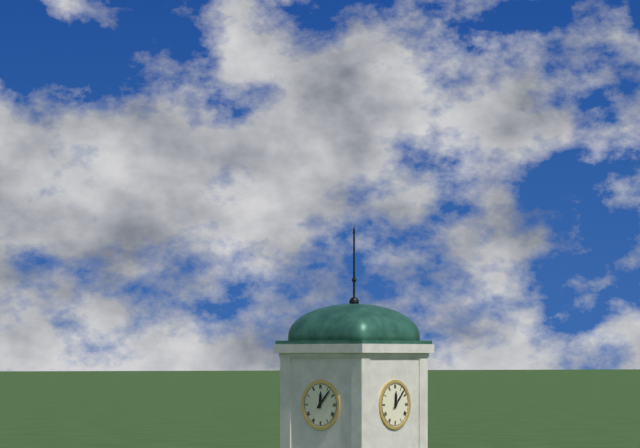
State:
12h07
